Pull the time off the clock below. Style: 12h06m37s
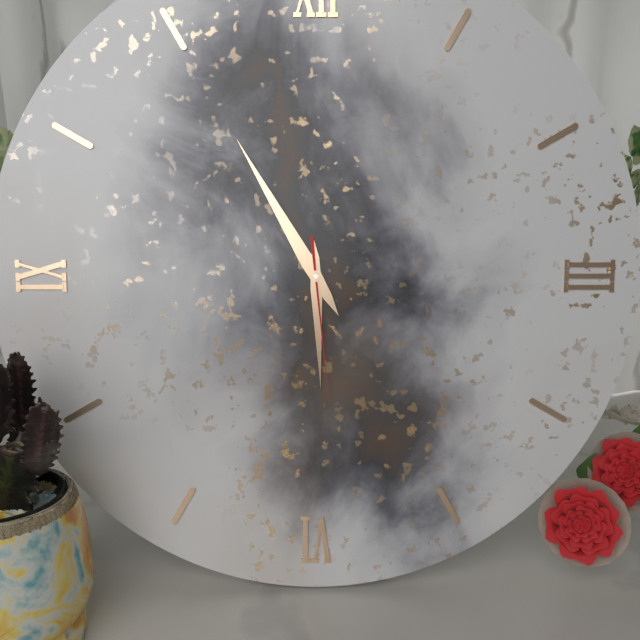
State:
5h55m29s
